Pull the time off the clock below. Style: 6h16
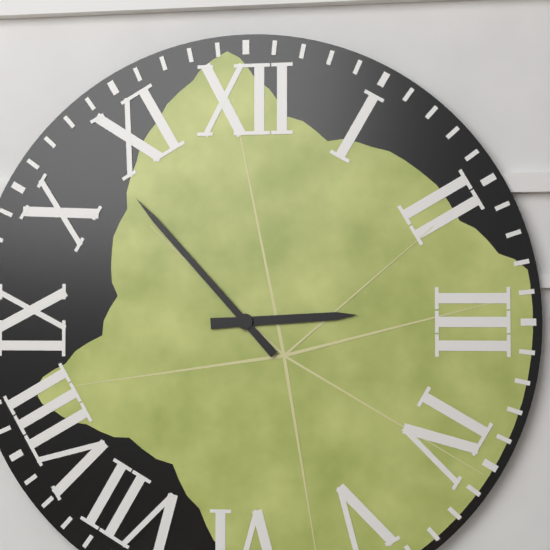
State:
2h53
